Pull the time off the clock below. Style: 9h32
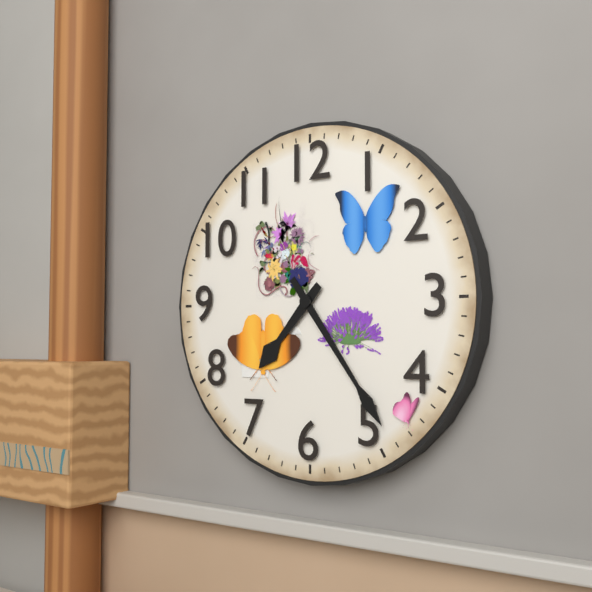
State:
7h24
